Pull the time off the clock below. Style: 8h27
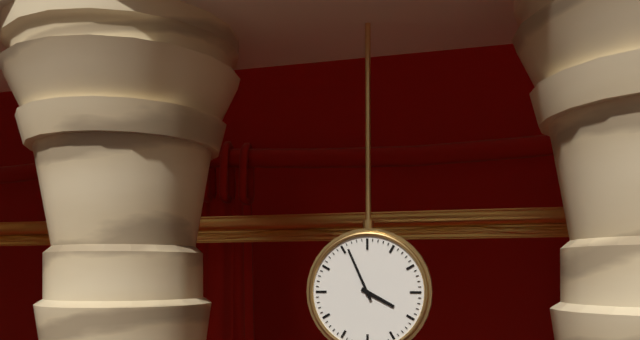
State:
3h56
